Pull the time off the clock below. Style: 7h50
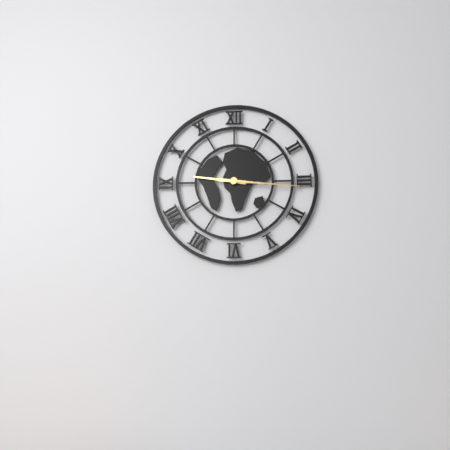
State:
9h16
